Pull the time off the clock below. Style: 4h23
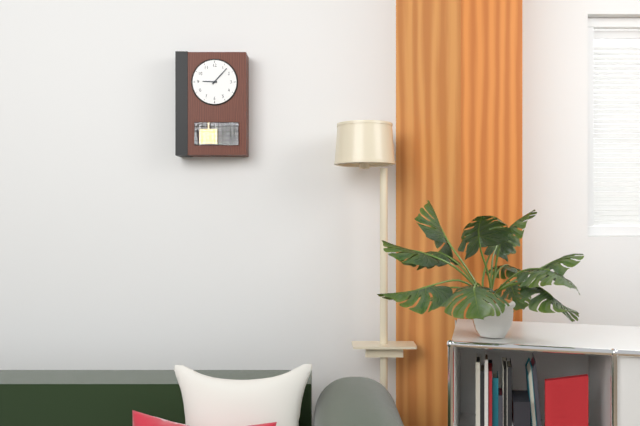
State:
9h07
